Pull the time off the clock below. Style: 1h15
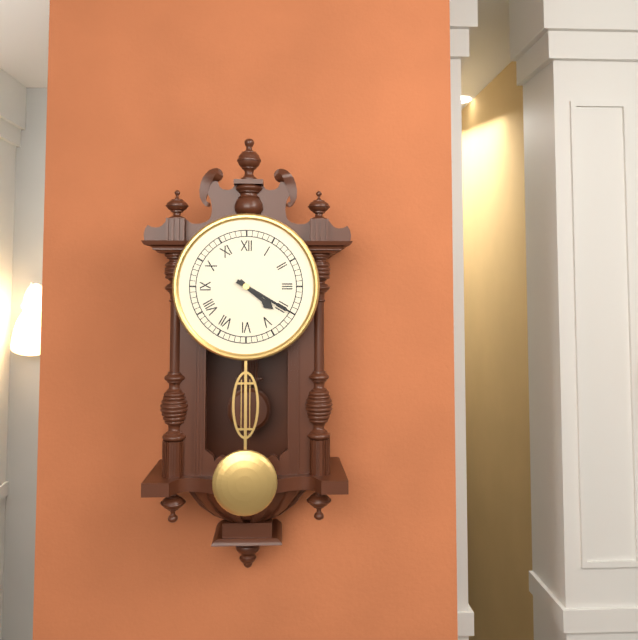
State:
4h20
